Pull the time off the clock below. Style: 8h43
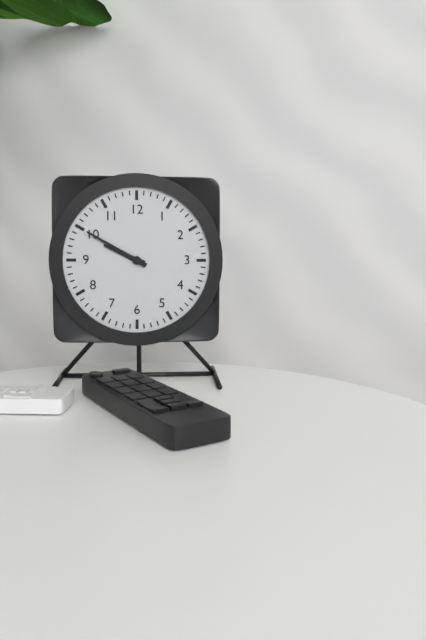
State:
9h50
